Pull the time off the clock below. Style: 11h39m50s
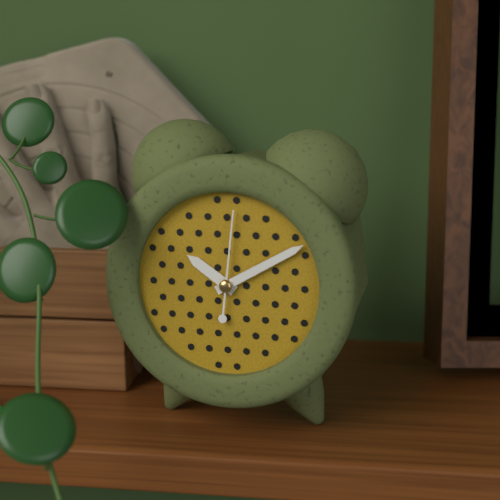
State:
10h10m01s
